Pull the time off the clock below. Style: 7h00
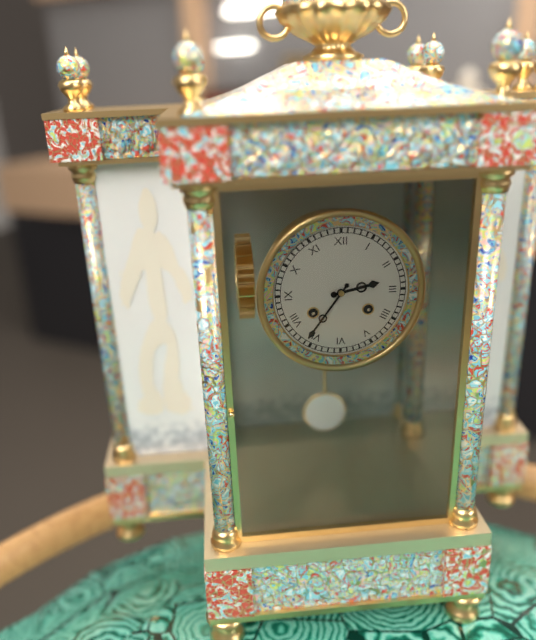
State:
2h36
